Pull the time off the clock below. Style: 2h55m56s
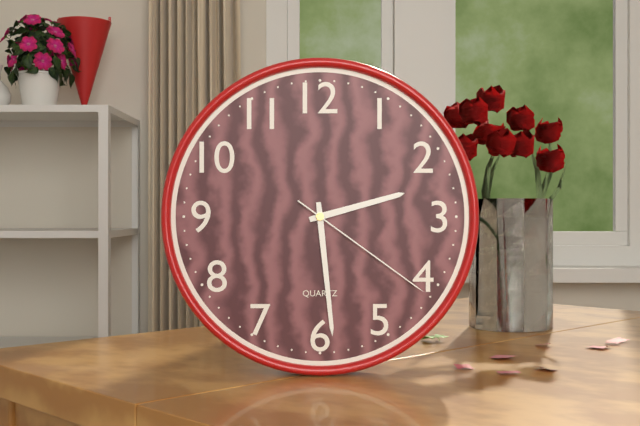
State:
2h29m21s
